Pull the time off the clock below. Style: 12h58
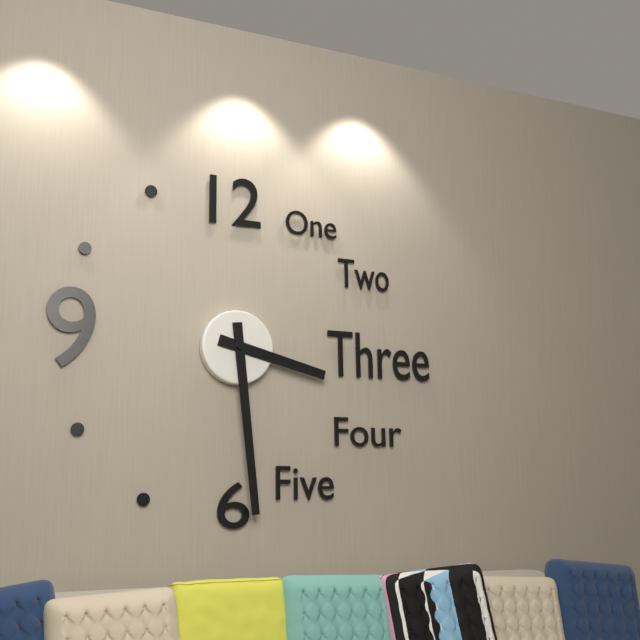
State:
3h29
